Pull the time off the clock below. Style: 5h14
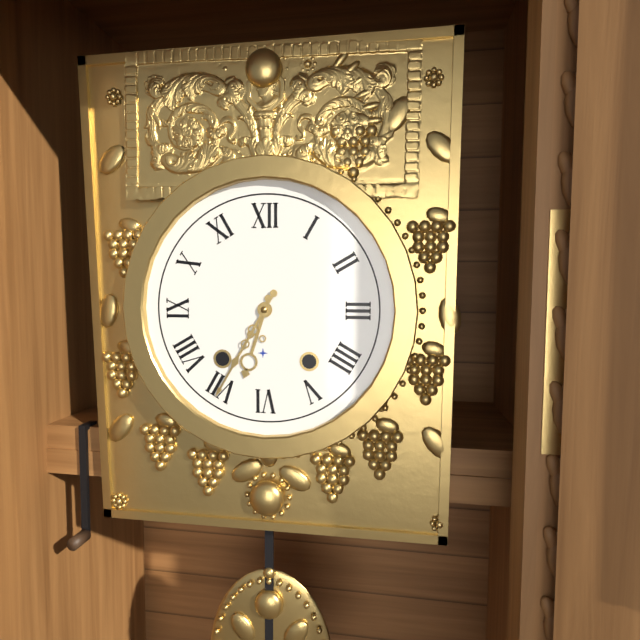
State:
6h35
